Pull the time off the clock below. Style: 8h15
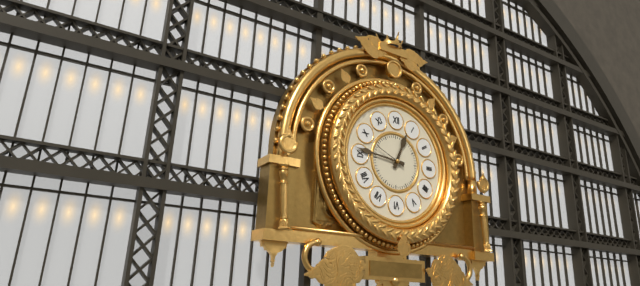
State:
12h46
